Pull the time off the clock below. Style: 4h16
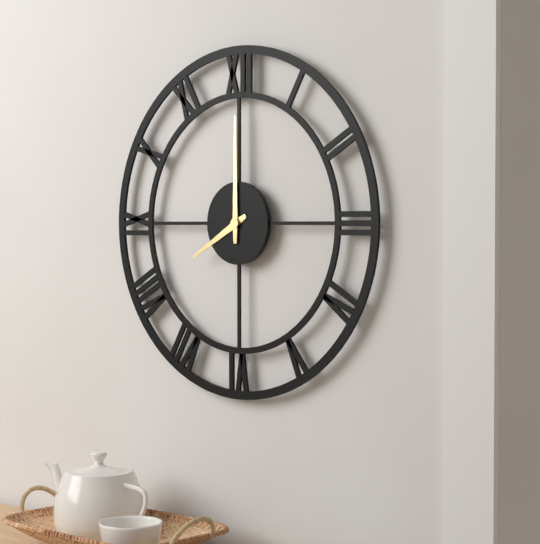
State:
8h00
